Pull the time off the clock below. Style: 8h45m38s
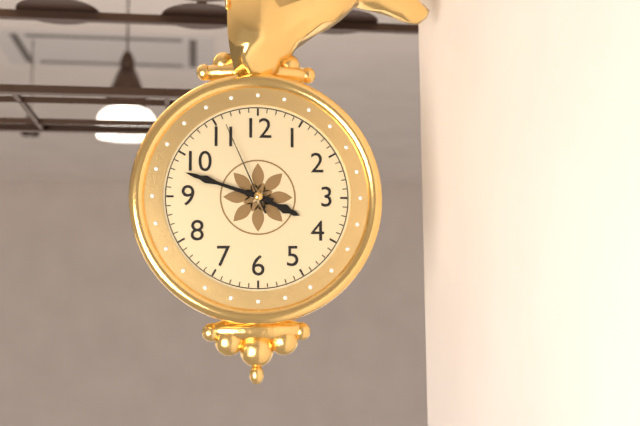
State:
3h48m56s
